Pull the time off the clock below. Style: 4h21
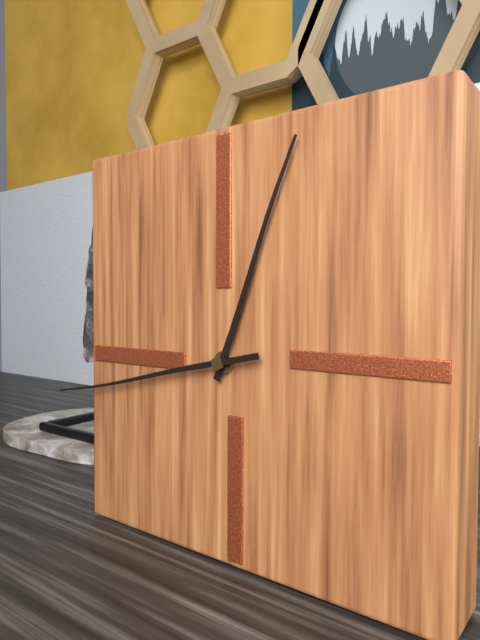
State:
12h43
